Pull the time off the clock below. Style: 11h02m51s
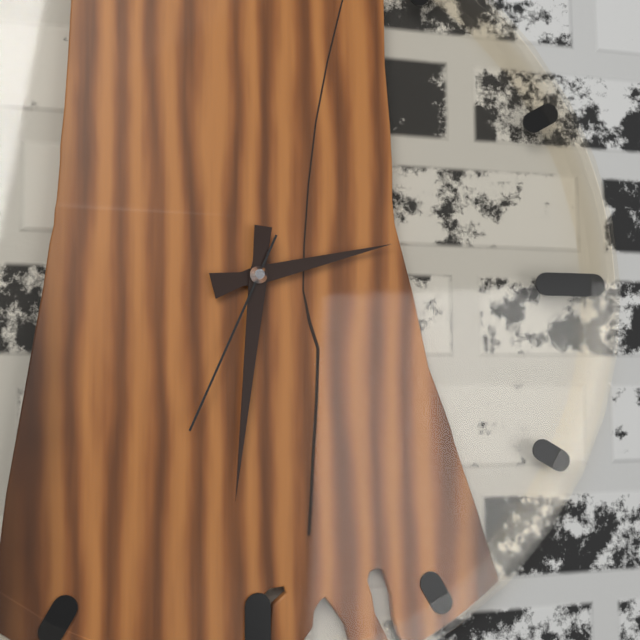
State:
2h31m34s
